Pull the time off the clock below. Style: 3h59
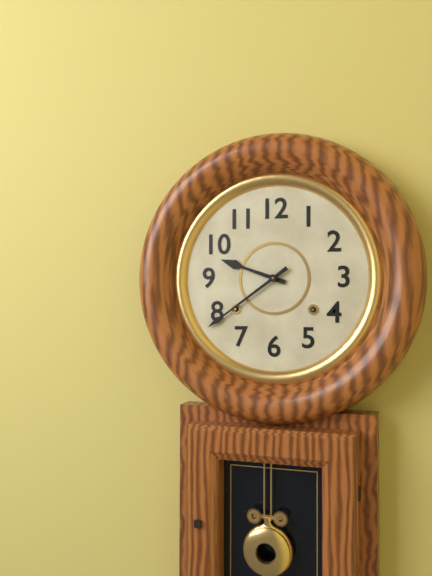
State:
9h39
